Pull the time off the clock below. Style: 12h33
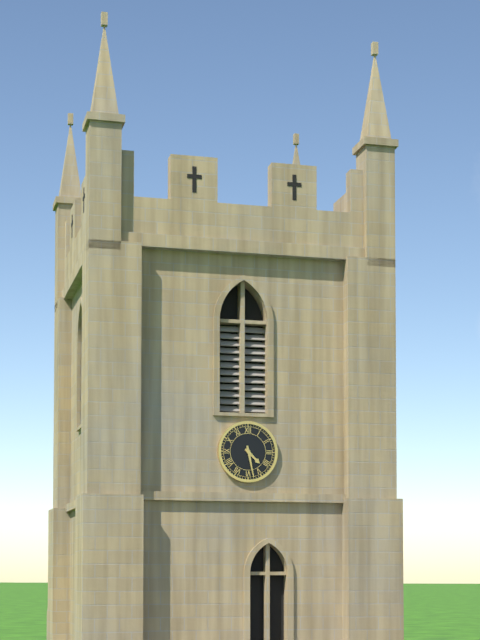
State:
4h28
